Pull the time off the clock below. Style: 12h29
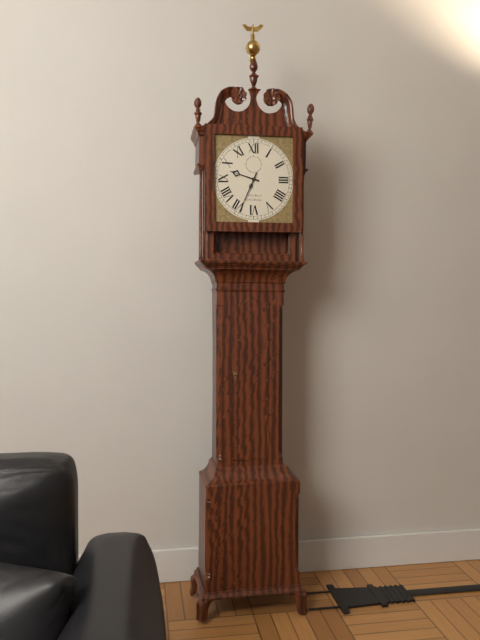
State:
9h34
